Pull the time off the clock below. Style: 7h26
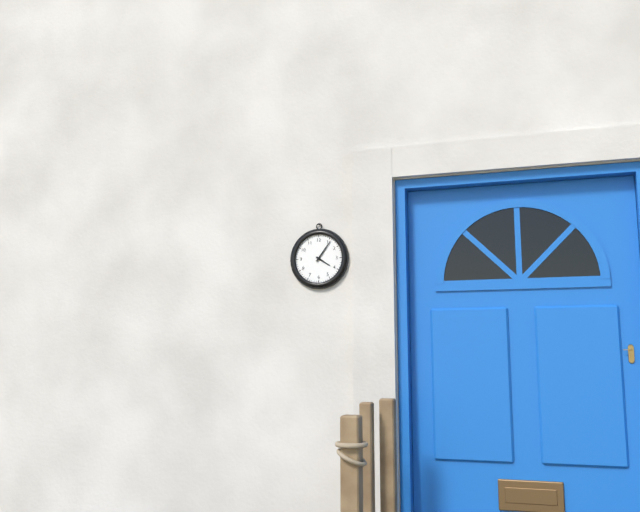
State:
4h06
